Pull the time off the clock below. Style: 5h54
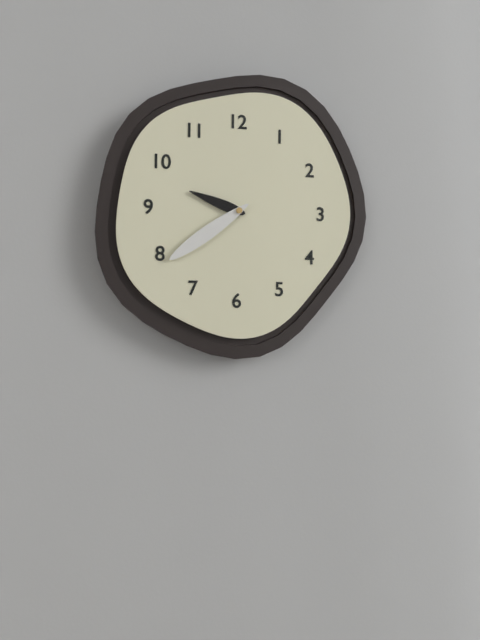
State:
9h39
